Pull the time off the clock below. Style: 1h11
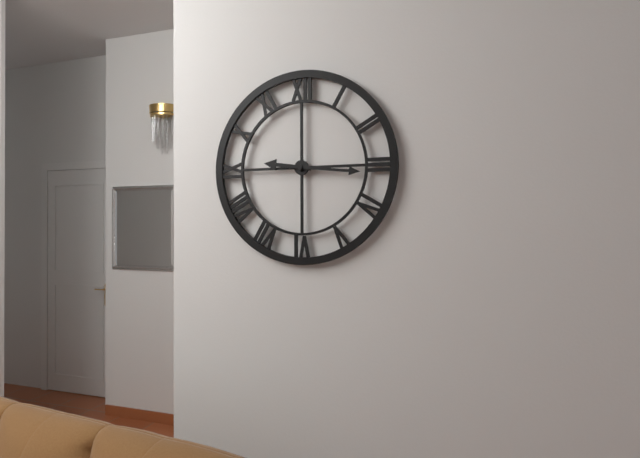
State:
9h16
